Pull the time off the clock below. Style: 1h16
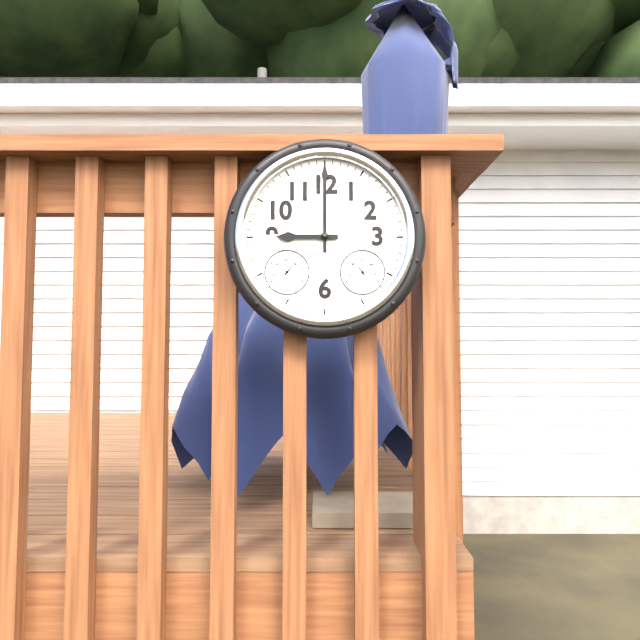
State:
9h00
